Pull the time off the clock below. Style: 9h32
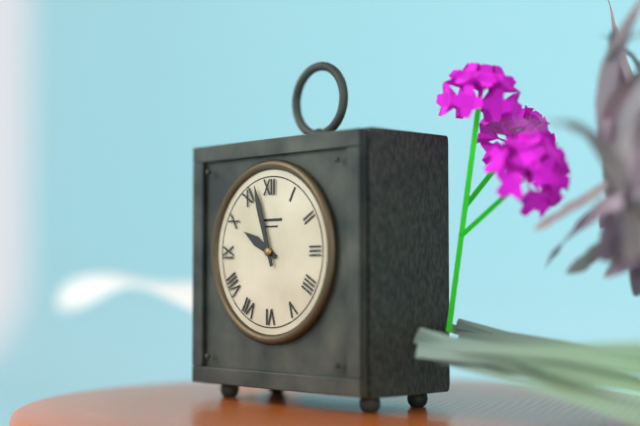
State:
9h57
